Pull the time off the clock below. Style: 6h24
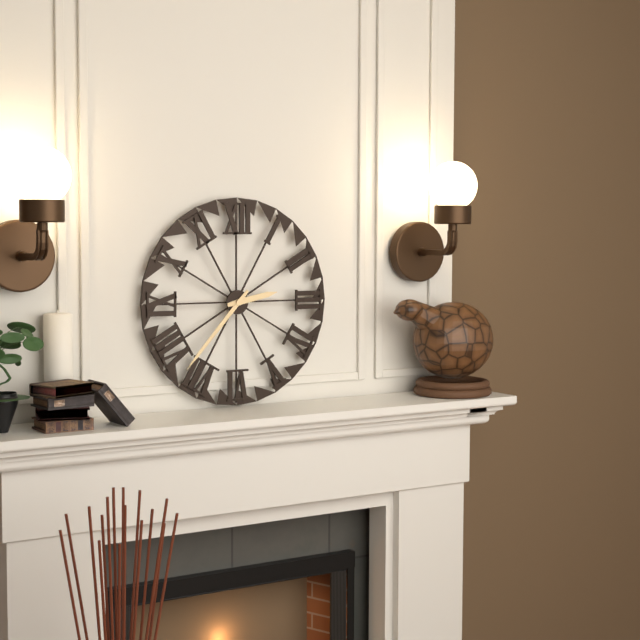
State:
2h37
